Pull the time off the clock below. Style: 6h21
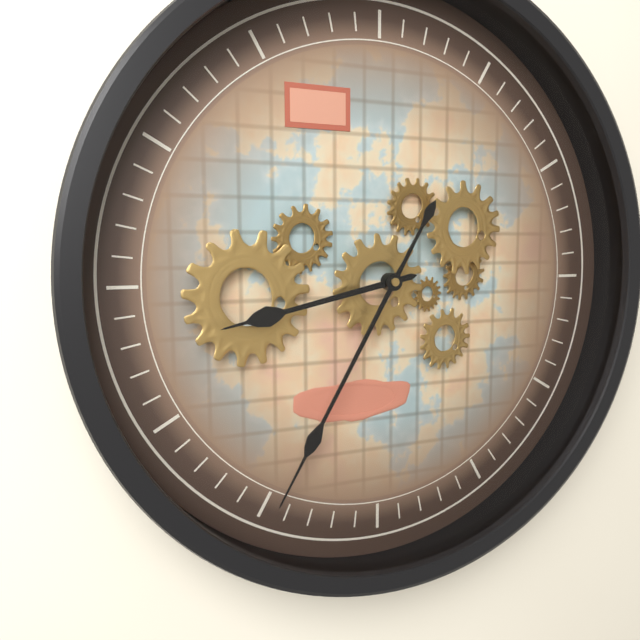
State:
8h35
